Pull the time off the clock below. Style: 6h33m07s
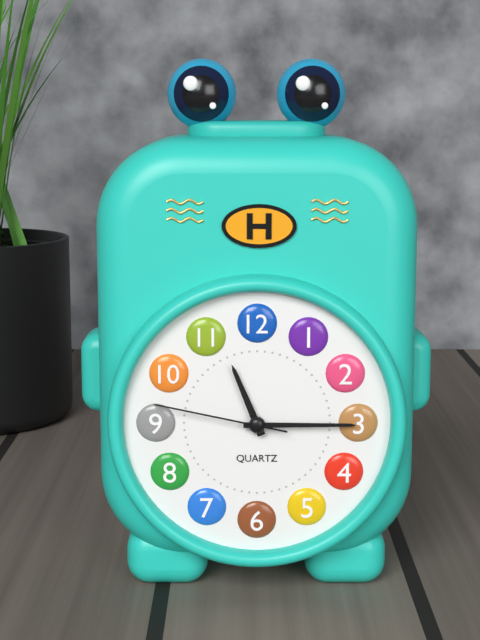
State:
11h15m47s
